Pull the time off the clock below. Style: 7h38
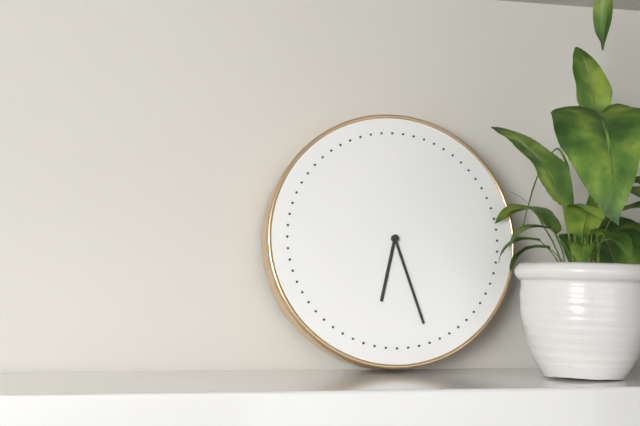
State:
6h27
